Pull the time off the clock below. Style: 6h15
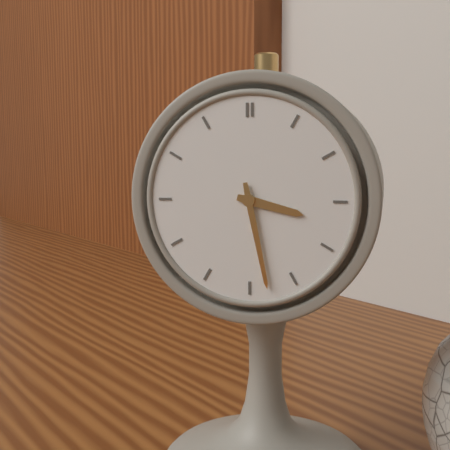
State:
3h28
